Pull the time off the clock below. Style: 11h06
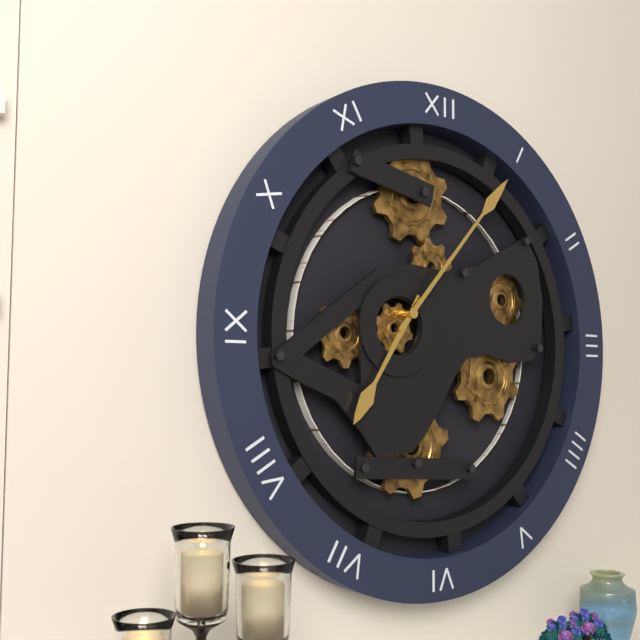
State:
7h07
